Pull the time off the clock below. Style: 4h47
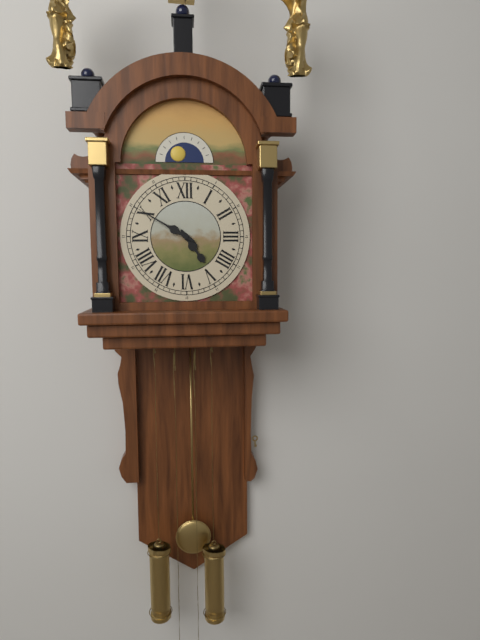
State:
4h50
